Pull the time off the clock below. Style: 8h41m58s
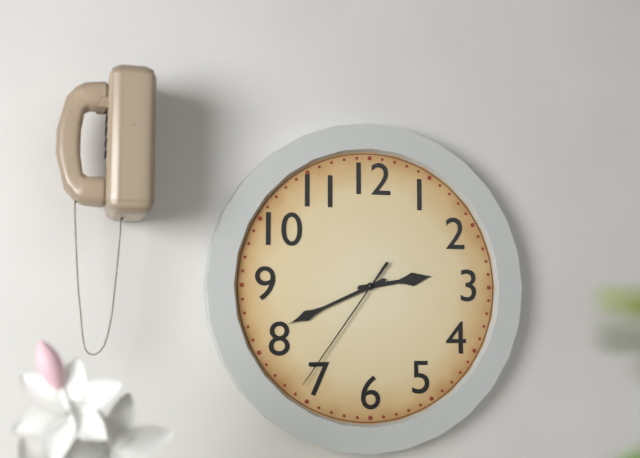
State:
2h41m36s
